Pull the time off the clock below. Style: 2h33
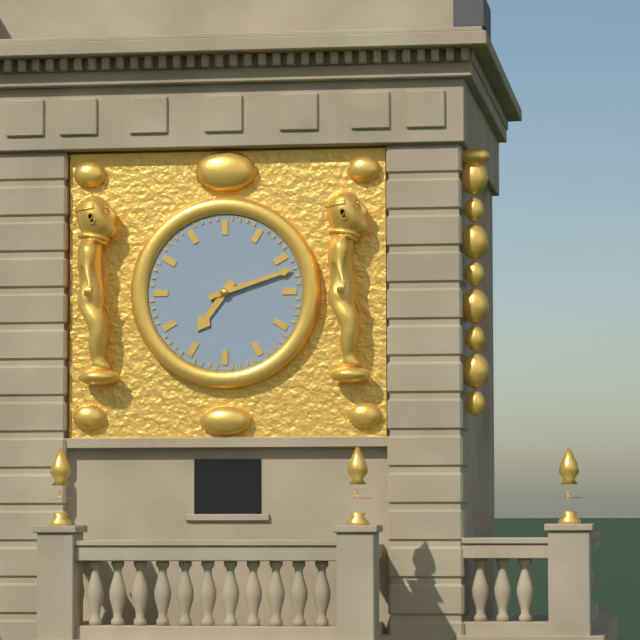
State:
7h12
